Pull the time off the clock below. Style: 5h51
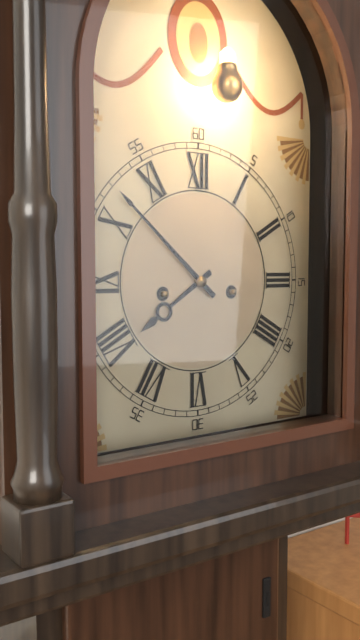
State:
7h52
